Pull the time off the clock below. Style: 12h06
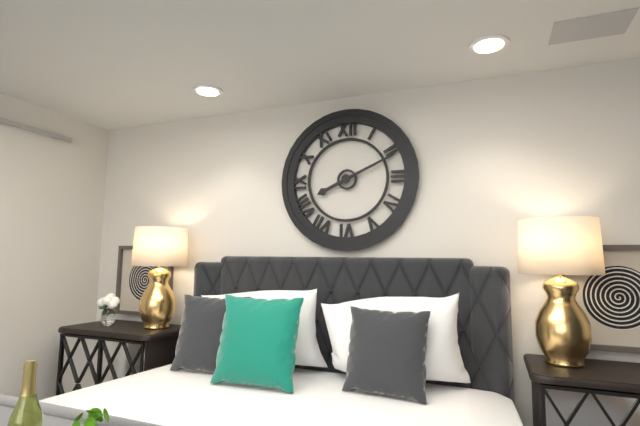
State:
8h11
